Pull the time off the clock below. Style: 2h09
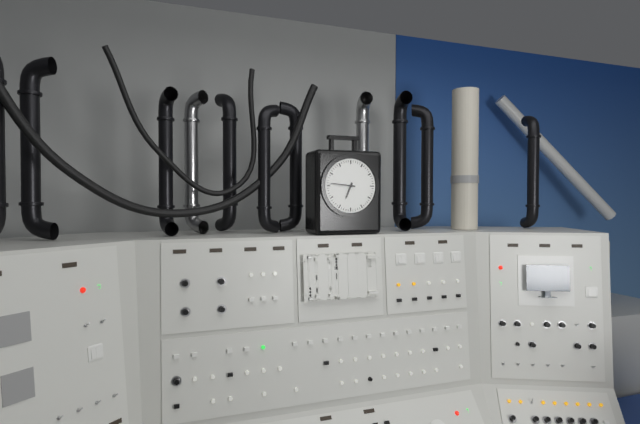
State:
6h46
